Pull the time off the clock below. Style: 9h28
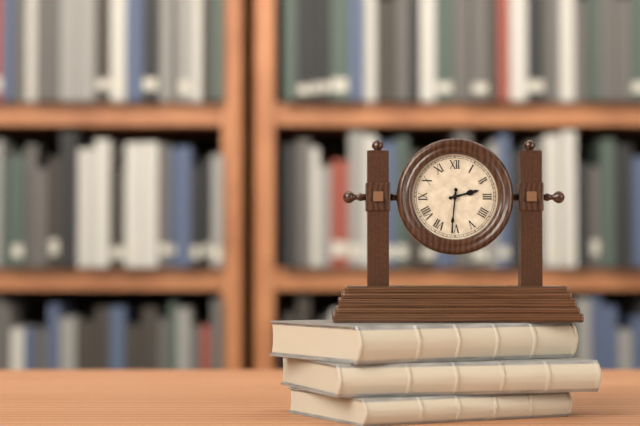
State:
2h31
